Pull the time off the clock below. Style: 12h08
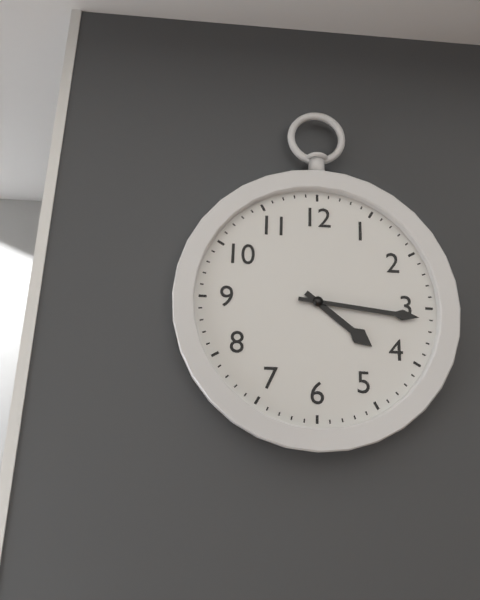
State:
4h16
